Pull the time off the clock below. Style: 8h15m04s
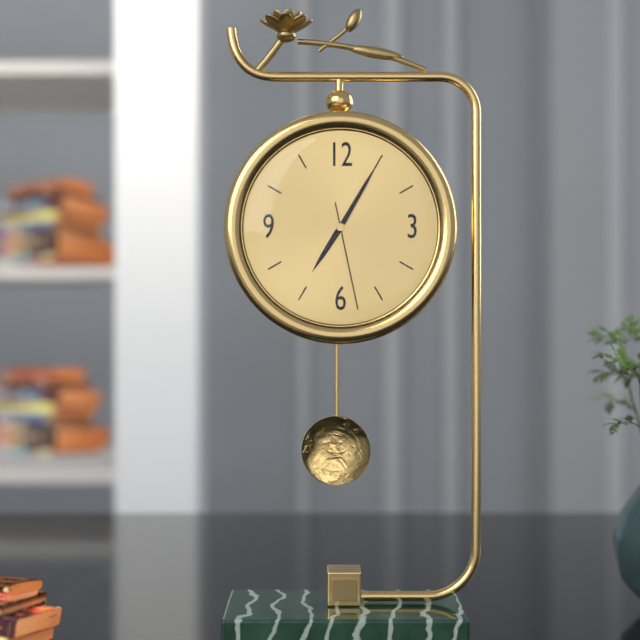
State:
7h05m28s
